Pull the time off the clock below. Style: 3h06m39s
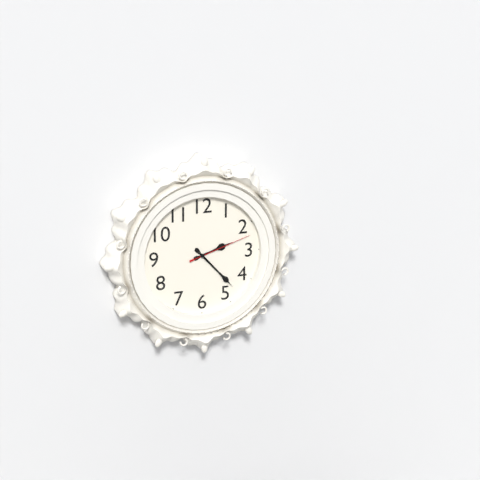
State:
2h23m12s
